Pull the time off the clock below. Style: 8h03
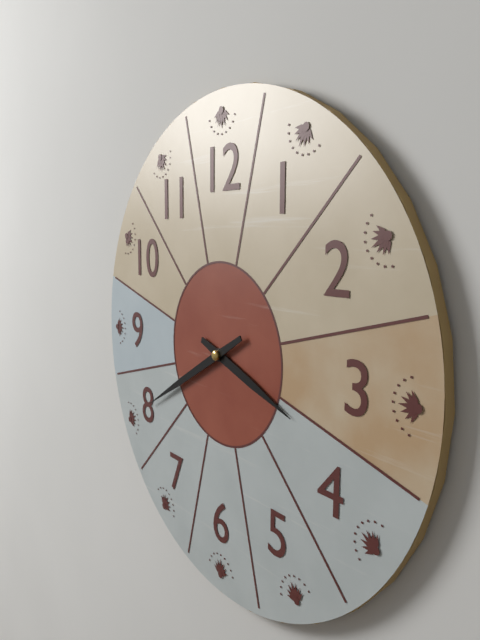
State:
3h40
